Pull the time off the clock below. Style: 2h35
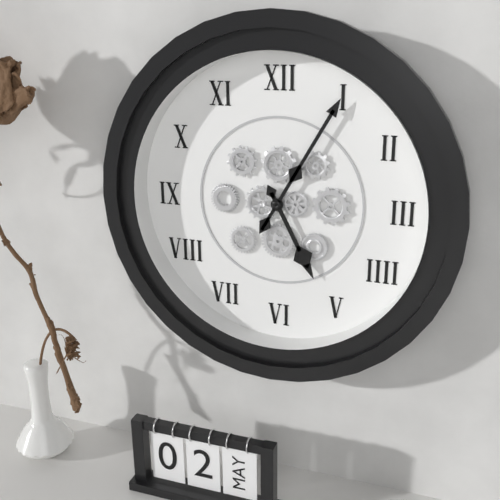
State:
5h05
